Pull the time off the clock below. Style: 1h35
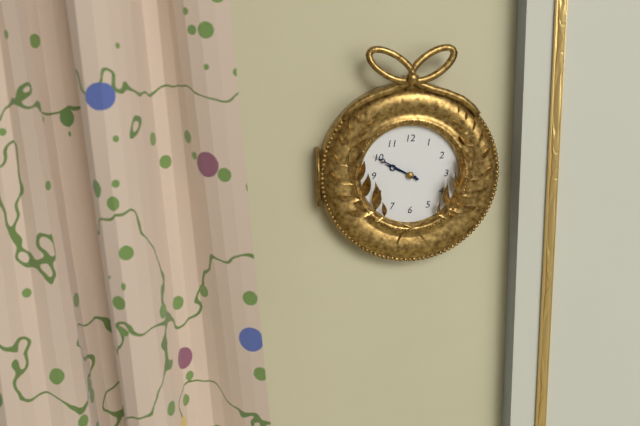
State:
9h50
